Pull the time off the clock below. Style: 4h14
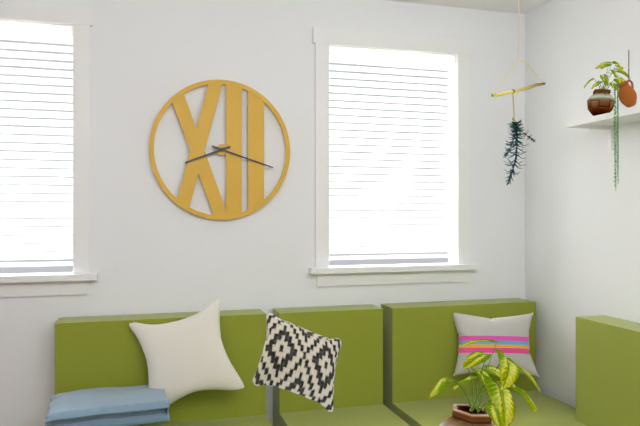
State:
8h18
